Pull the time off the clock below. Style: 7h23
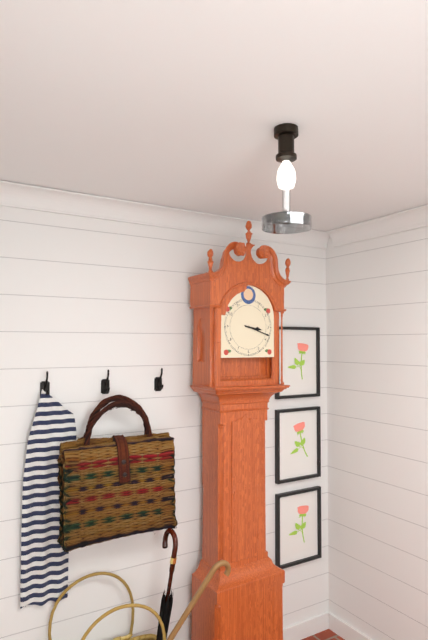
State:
3h18
